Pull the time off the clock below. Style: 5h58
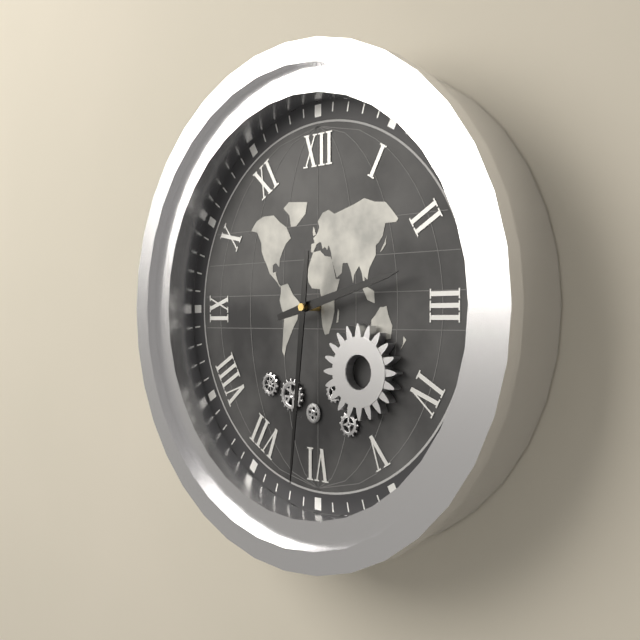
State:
2h31
